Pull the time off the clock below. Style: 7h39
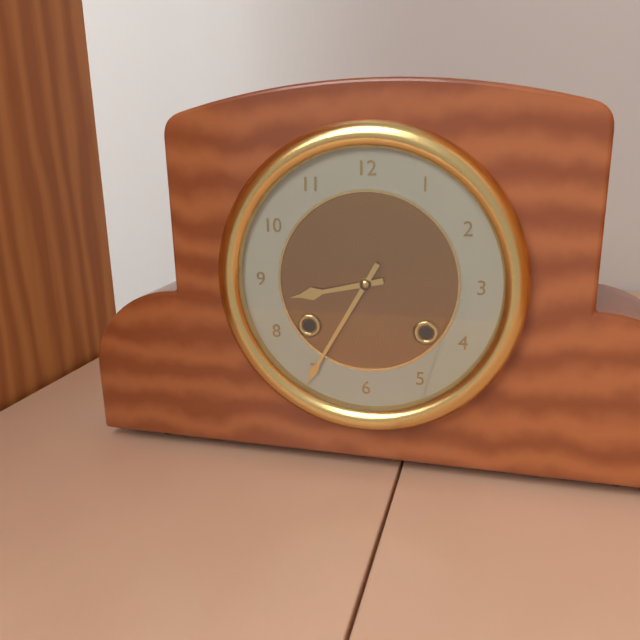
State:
8h35
